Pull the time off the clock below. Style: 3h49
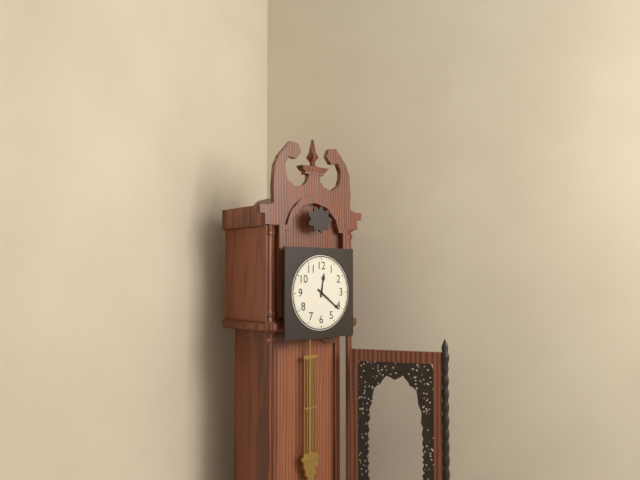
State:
12h21
